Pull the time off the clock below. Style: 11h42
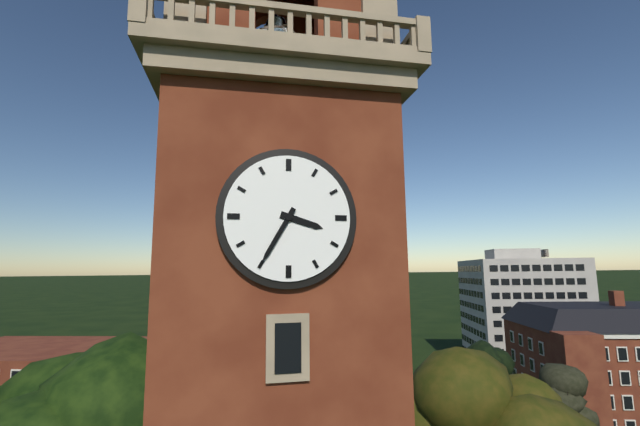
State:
3h35
